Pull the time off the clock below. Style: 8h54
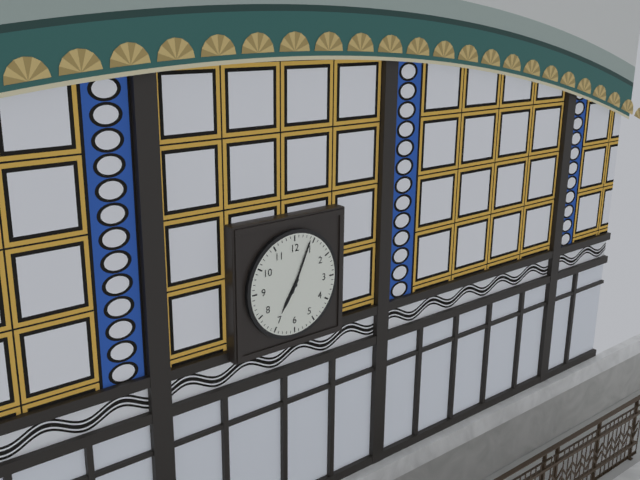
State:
7h04
